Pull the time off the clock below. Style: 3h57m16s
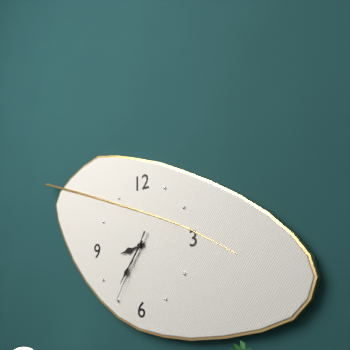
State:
8h36m35s
